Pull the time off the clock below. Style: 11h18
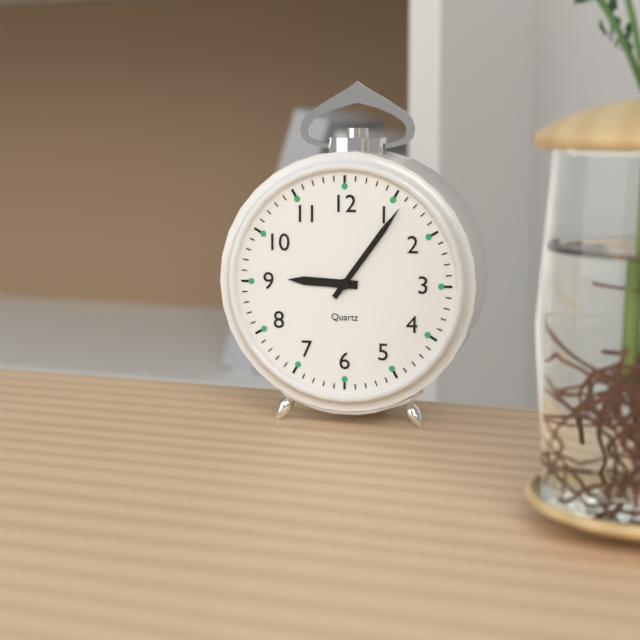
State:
9h06
